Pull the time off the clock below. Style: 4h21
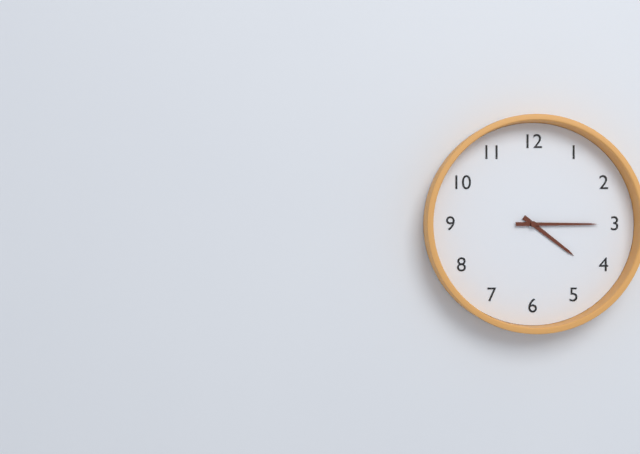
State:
4h15
